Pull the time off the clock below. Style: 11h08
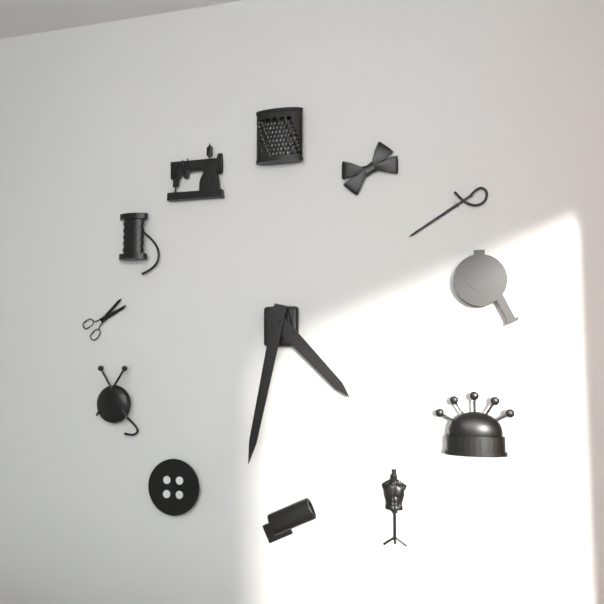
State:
4h32
